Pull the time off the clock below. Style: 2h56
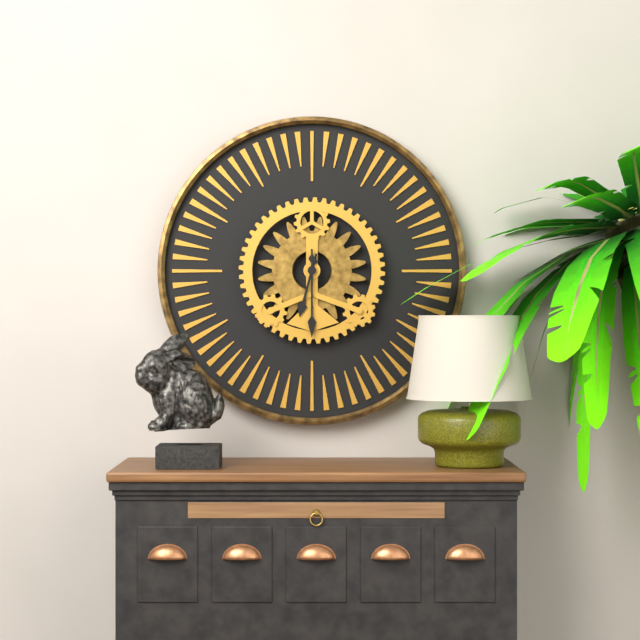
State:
6h30
